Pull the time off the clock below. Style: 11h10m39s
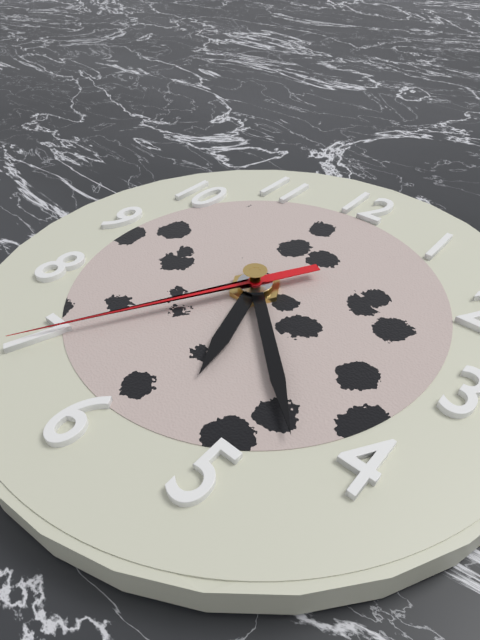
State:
5h22m35s
